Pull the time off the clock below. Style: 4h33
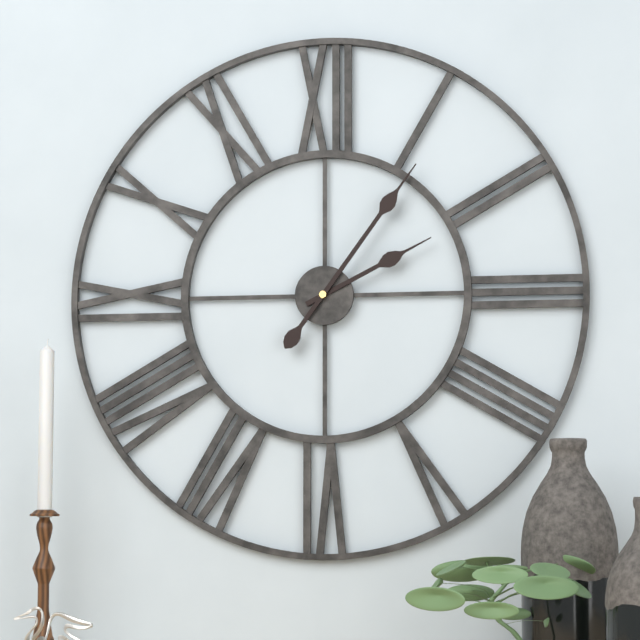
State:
2h06
